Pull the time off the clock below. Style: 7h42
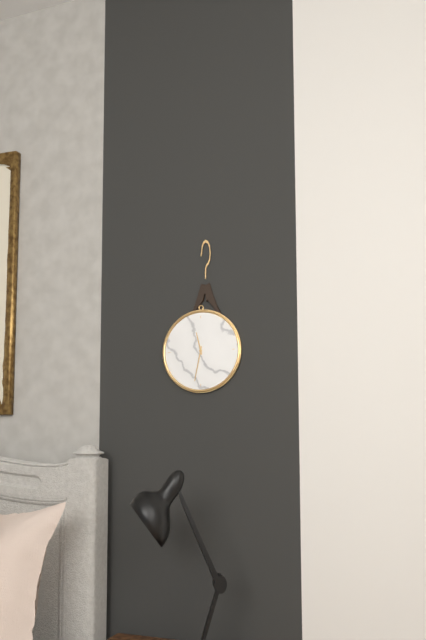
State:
11h32
